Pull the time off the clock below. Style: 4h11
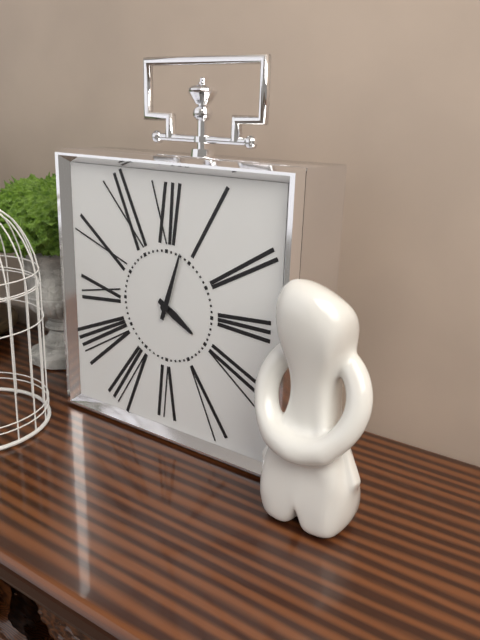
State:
4h03
